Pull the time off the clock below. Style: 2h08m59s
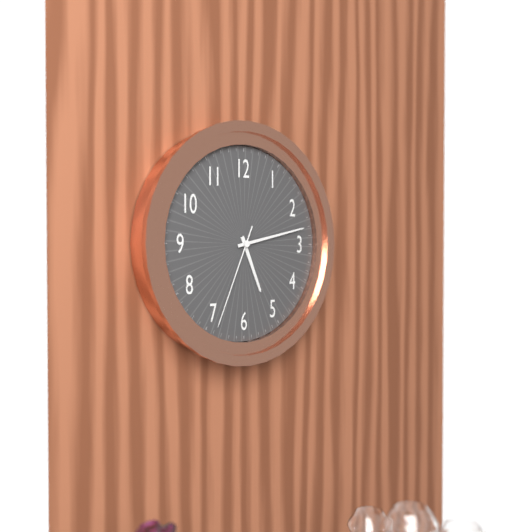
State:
5h13m34s
